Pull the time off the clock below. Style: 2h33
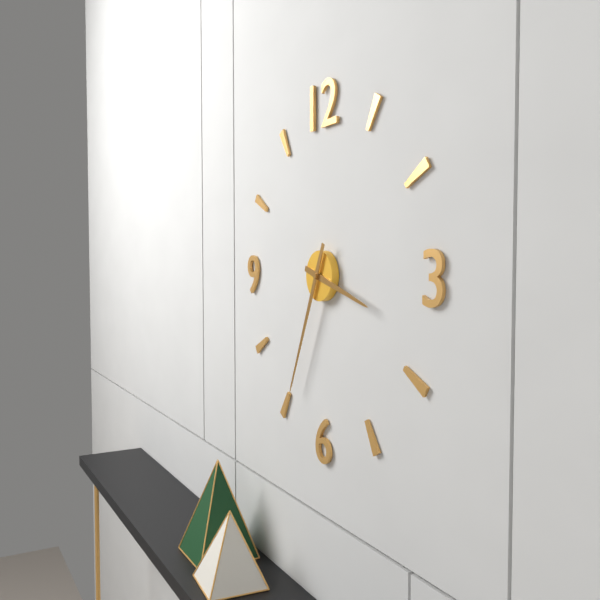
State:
3h34
